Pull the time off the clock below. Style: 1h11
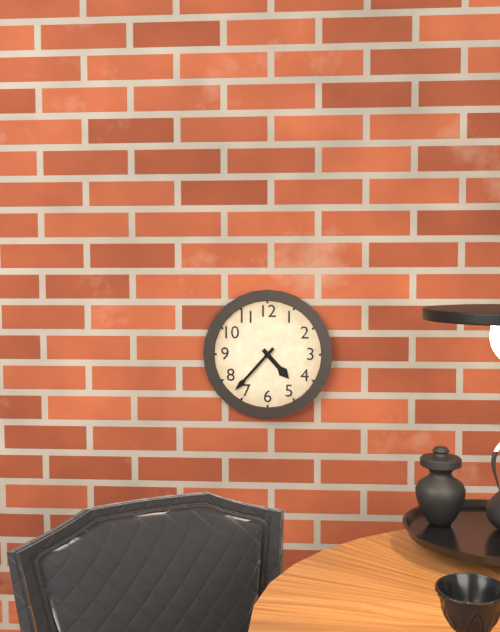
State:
4h37
